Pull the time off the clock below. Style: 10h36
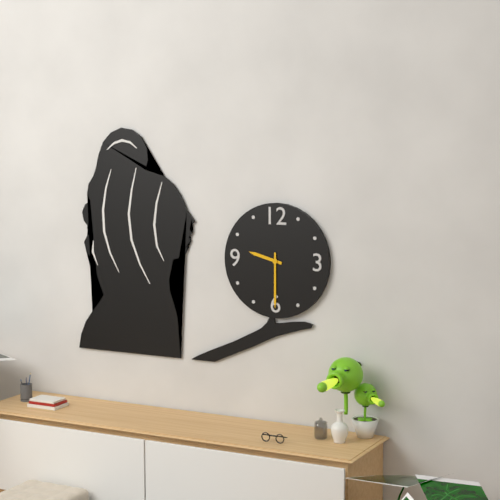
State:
9h30
